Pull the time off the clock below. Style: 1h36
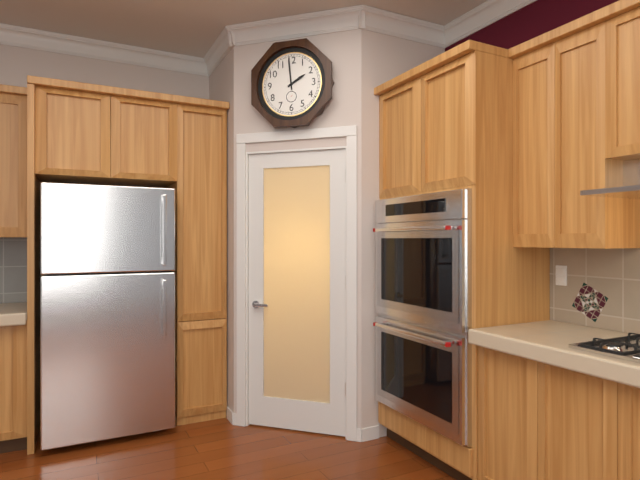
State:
1h59
